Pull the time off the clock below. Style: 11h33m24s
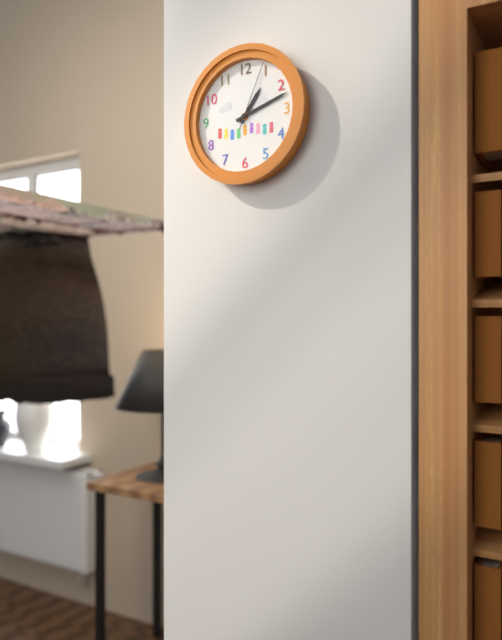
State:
1h12m04s
